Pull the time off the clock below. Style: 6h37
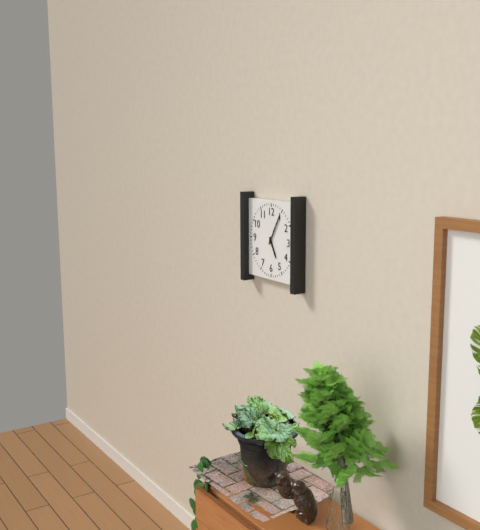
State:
5h05
